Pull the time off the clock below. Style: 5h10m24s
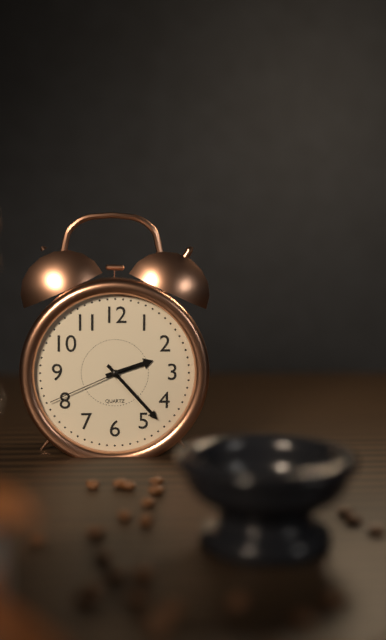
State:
2h23m41s
